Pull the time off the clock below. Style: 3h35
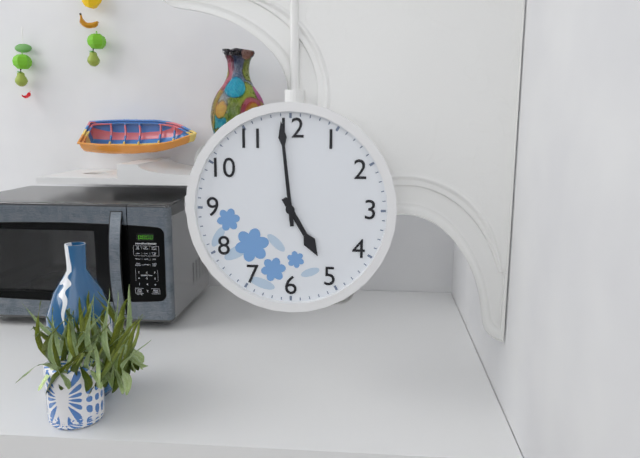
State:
4h59
